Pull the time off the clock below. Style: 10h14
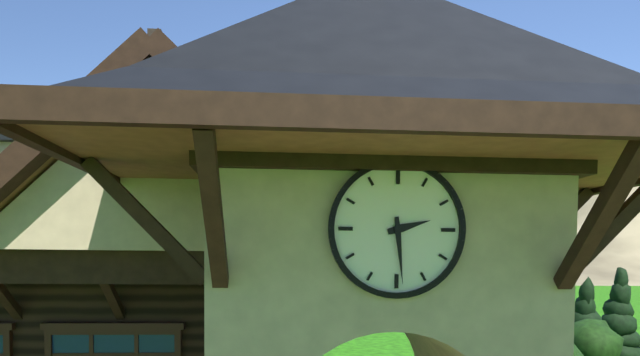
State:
2h29
